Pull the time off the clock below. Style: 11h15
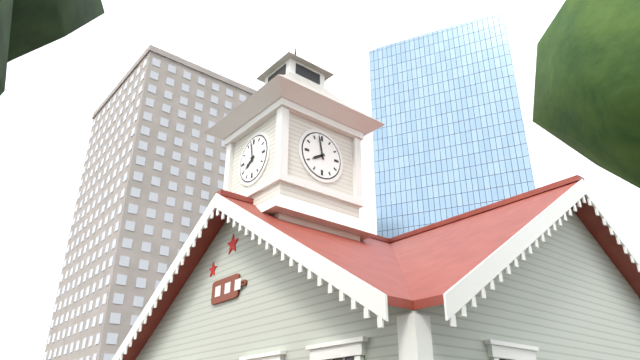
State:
7h58
